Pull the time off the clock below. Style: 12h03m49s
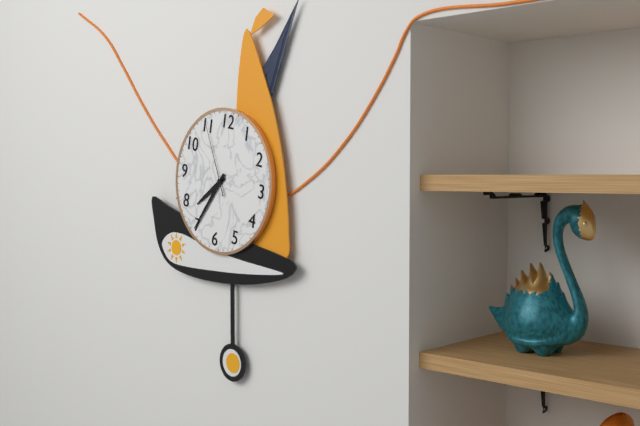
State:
7h35m55s
